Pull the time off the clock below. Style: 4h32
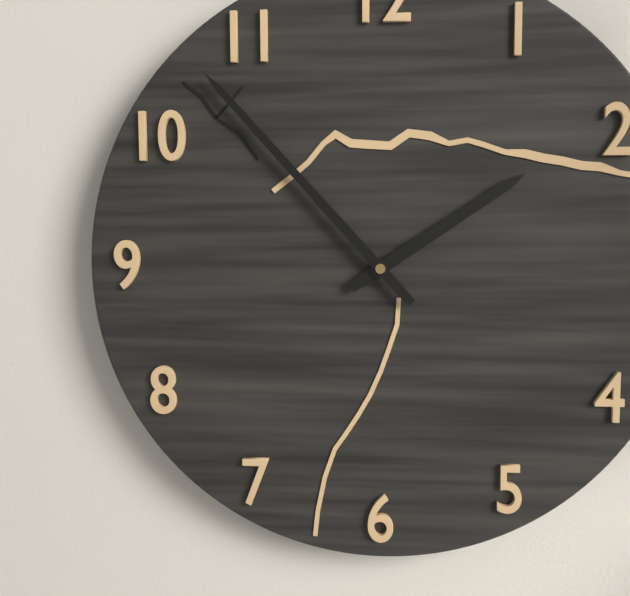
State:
1h53
